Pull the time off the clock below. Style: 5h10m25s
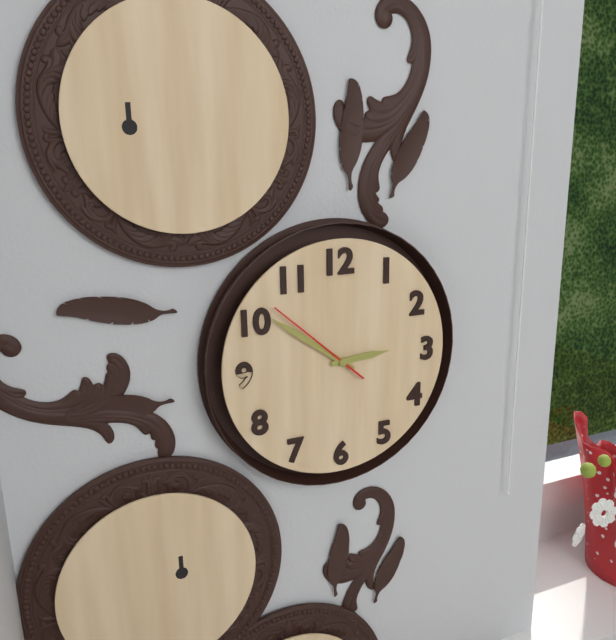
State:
2h51m52s
